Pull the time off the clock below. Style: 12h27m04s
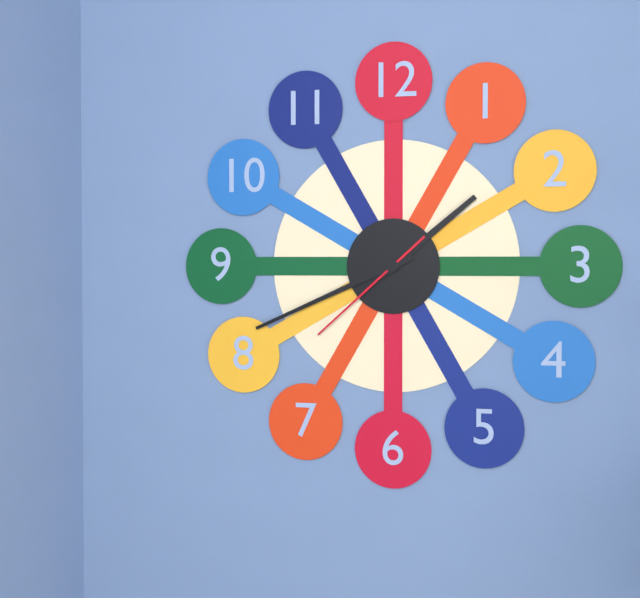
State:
1h41m38s
